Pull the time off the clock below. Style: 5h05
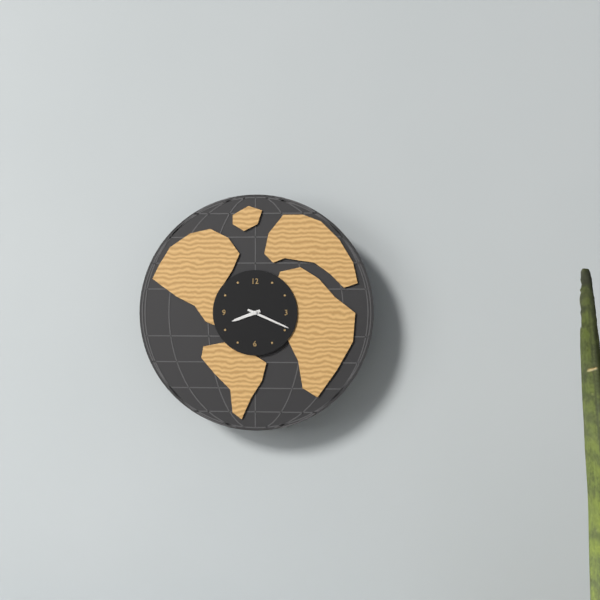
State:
8h19
